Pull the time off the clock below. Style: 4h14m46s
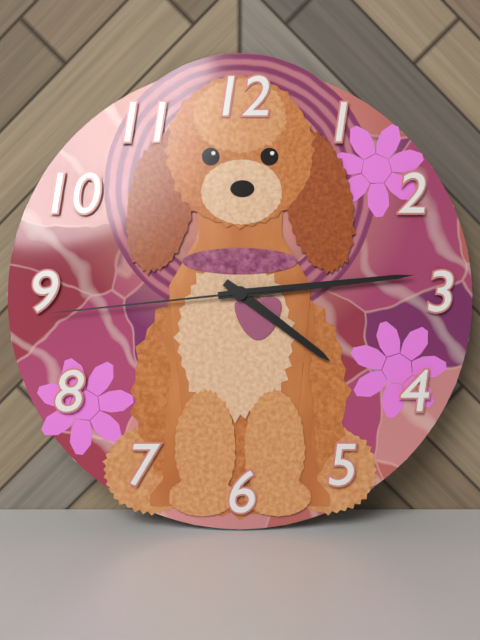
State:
4h14m44s
